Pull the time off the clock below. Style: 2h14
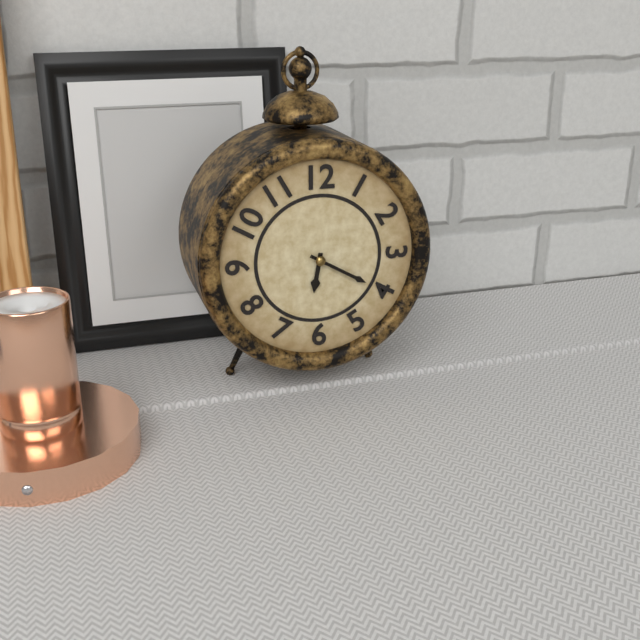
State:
6h20
